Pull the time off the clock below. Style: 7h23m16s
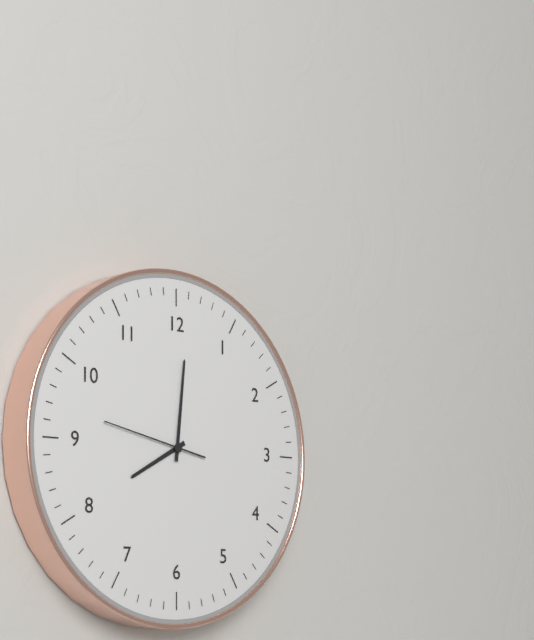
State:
8h01m47s
